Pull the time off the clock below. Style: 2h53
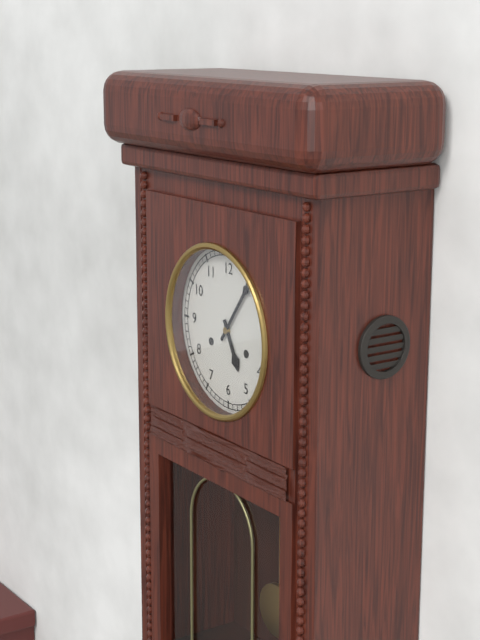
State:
5h06
